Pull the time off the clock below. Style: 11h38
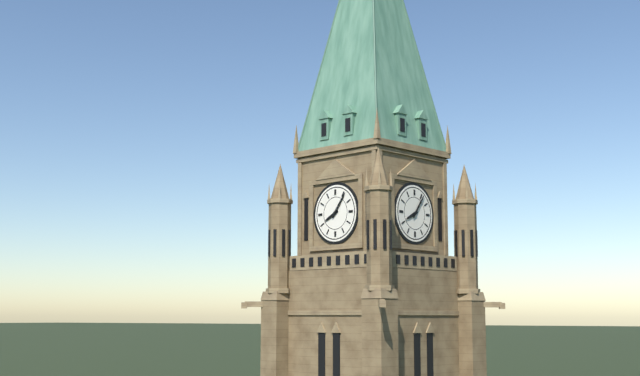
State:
8h06
